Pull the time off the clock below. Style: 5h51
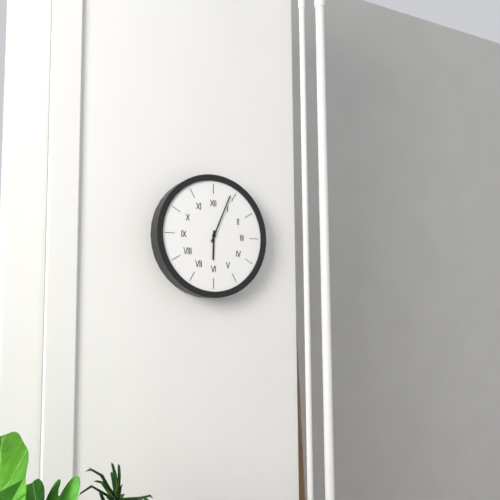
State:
6h04
